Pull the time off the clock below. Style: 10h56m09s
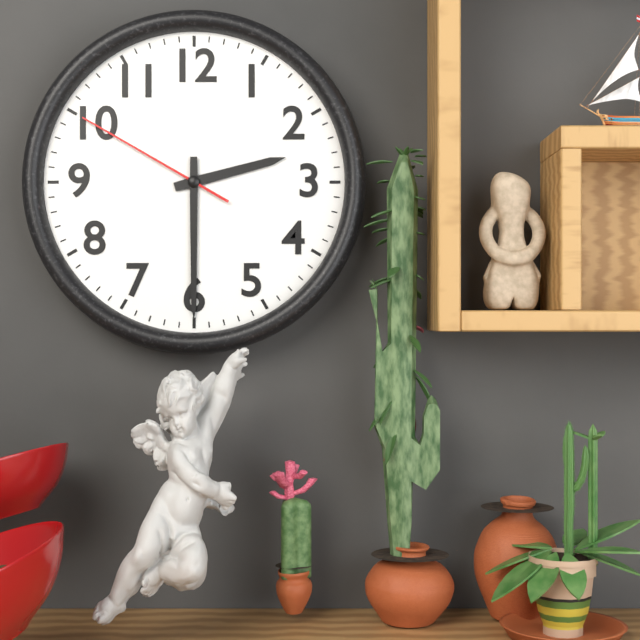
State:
2h30m50s
